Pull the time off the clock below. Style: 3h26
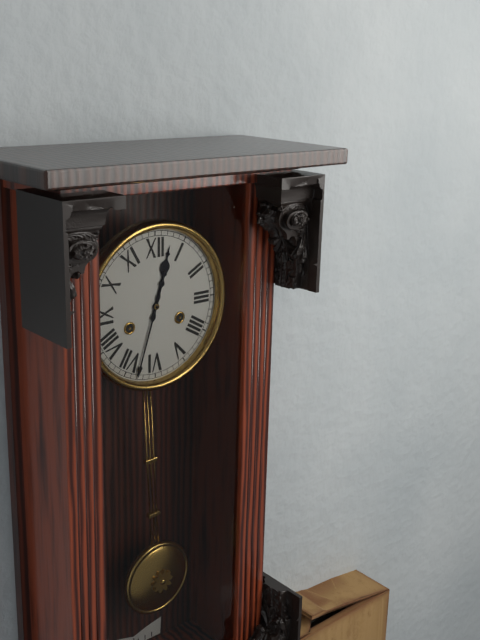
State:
12h33
